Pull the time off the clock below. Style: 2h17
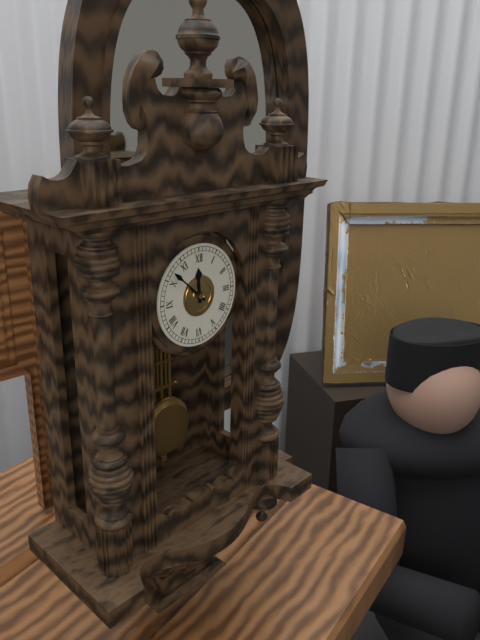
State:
11h52
